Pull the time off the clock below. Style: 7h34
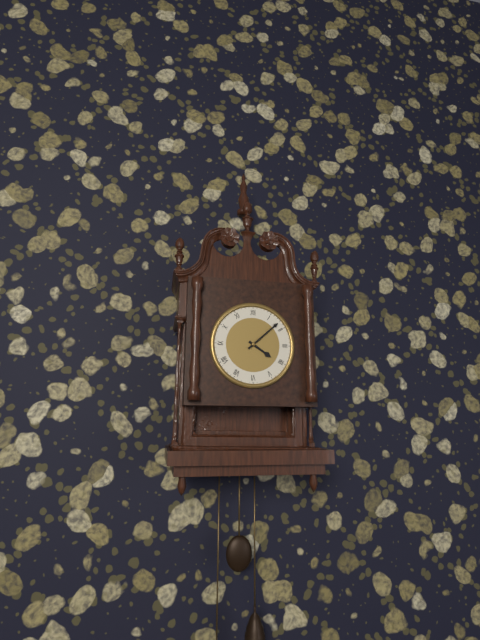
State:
4h08
